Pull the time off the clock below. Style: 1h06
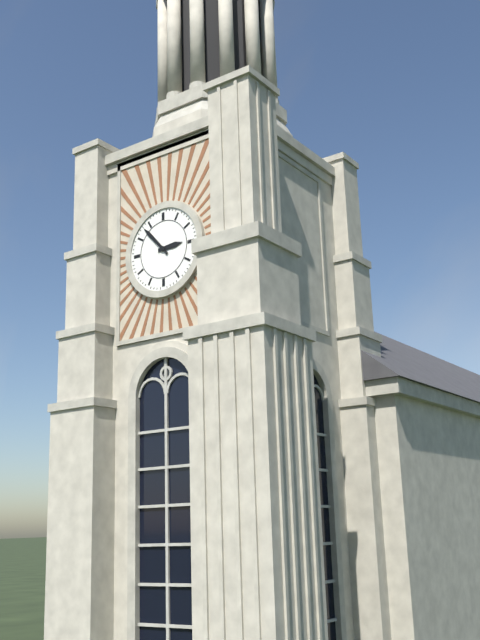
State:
2h53
